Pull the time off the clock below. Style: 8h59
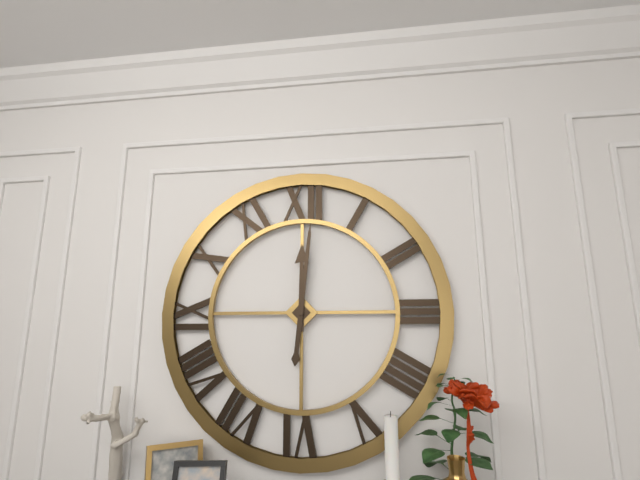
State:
12h01
